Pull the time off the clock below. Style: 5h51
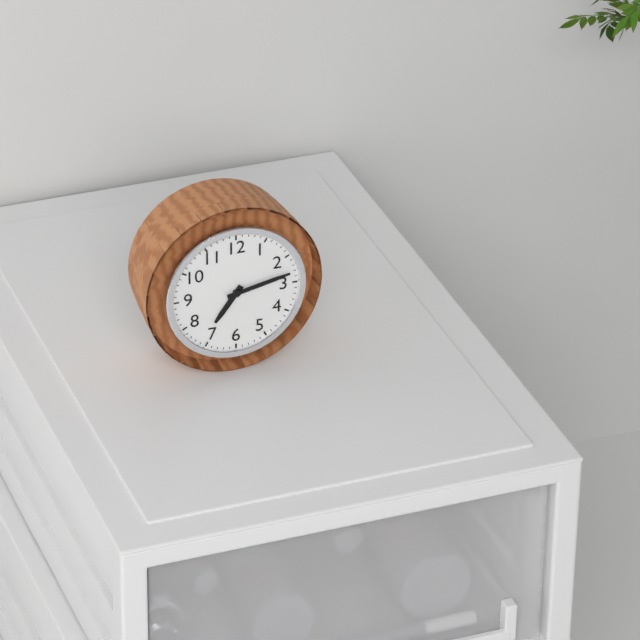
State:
7h13
